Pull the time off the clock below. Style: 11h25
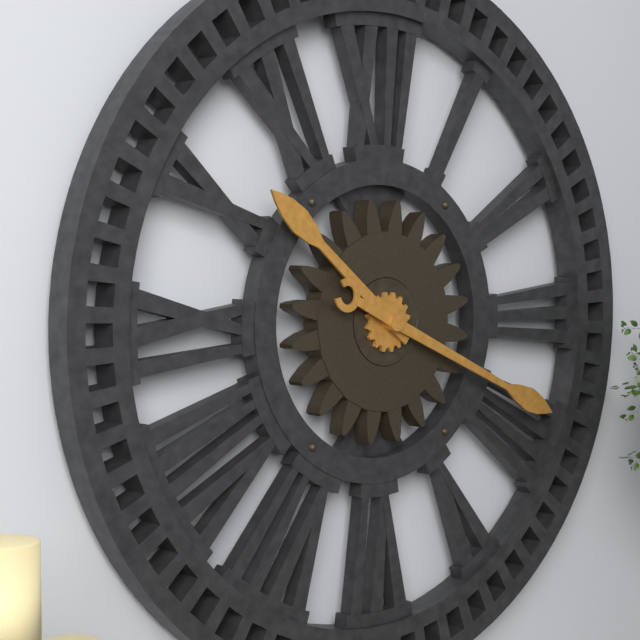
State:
10h19
